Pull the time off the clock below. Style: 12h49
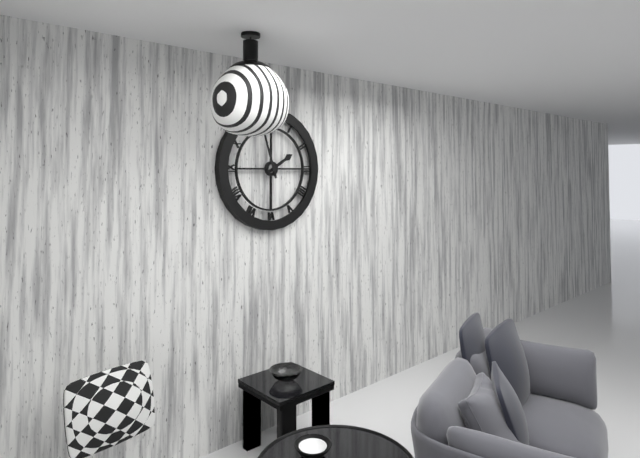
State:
1h57
